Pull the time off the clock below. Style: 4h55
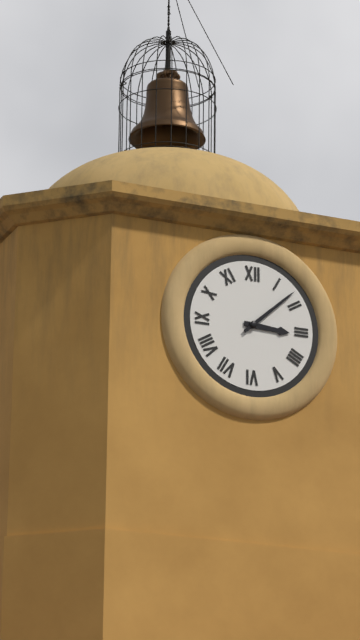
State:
3h08
